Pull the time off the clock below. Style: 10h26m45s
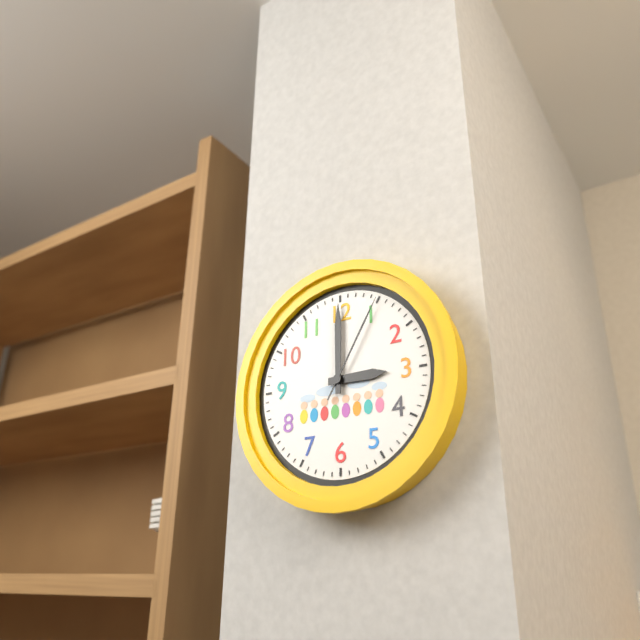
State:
3h00m05s
